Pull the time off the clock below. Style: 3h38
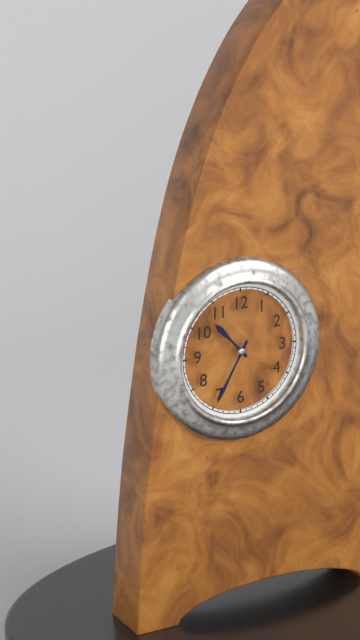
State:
10h35
